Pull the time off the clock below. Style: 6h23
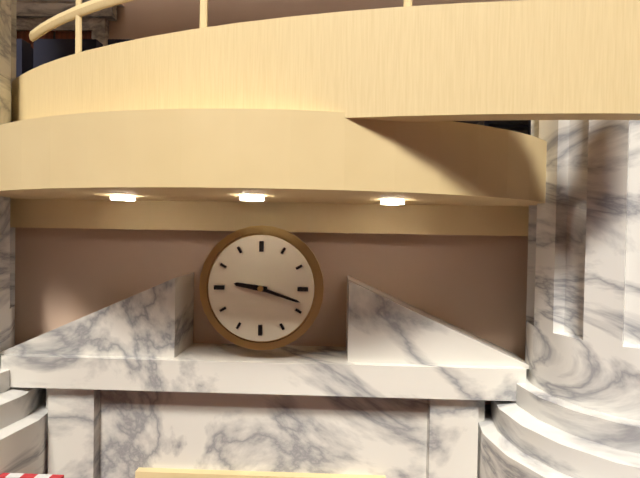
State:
9h18
